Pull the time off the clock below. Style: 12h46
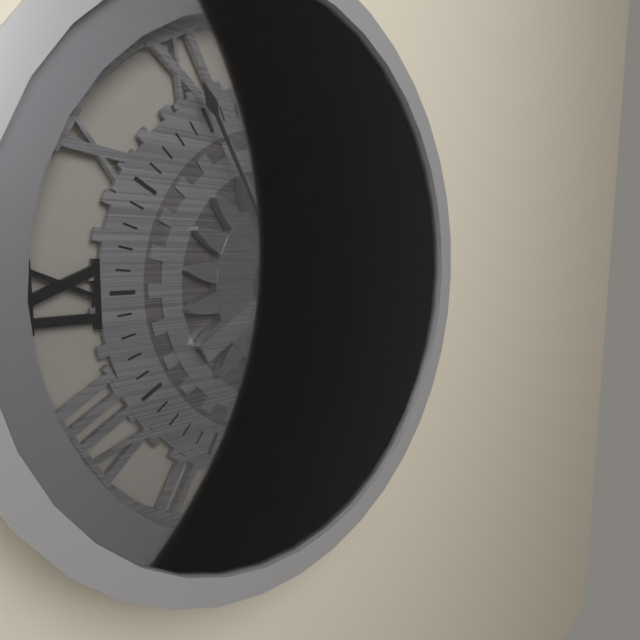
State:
1h55
